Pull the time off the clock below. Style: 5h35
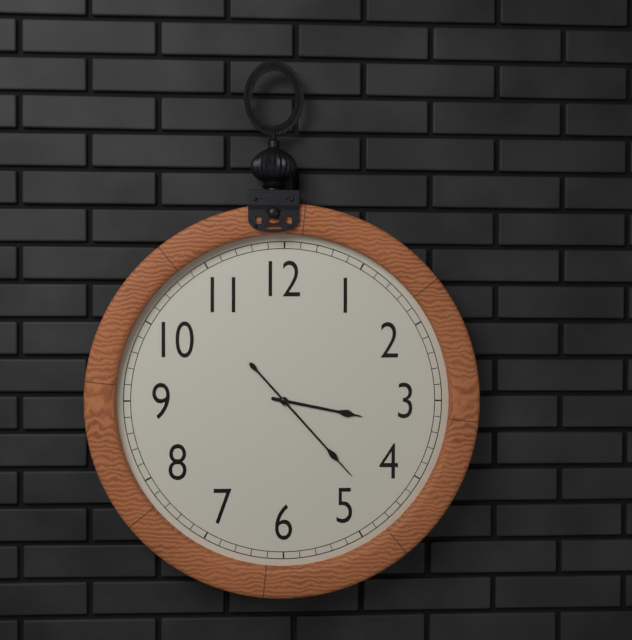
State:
3h23
